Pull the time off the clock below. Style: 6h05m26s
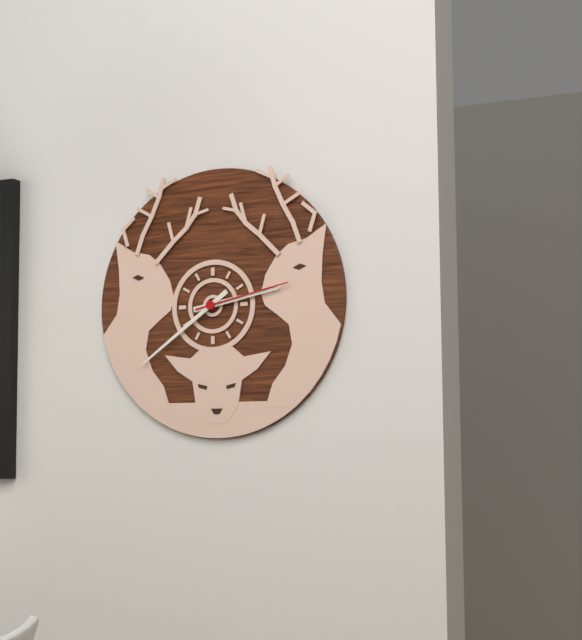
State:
2h39m13s
